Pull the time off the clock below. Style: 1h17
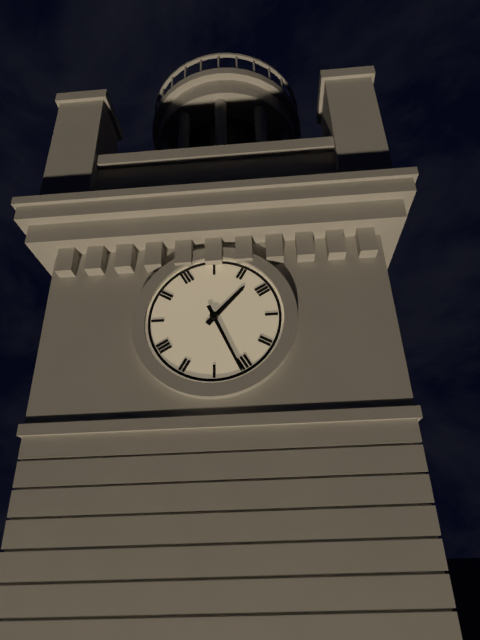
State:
1h26
